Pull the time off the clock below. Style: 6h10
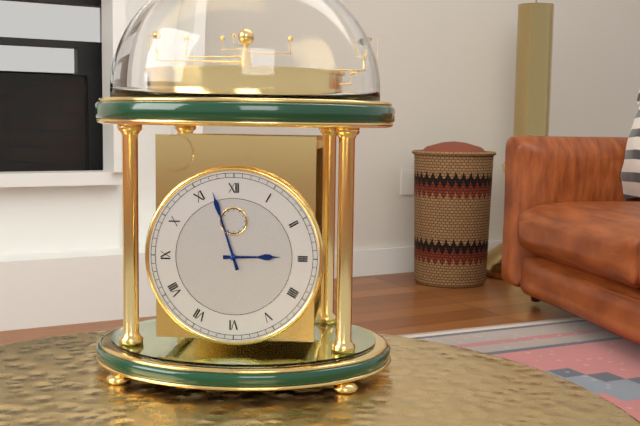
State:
2h57
